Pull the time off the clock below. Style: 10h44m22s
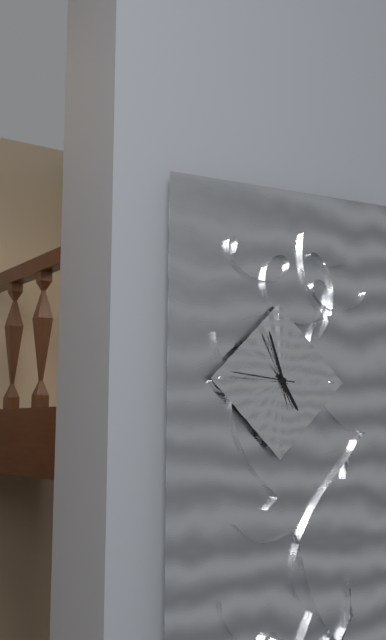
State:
4h57m46s
